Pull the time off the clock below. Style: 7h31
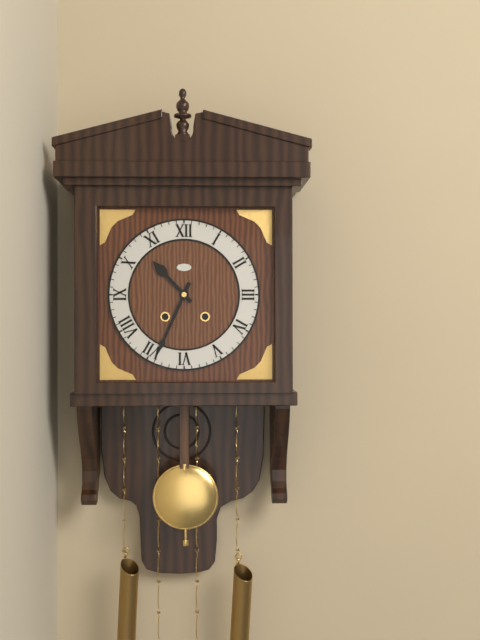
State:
10h34
